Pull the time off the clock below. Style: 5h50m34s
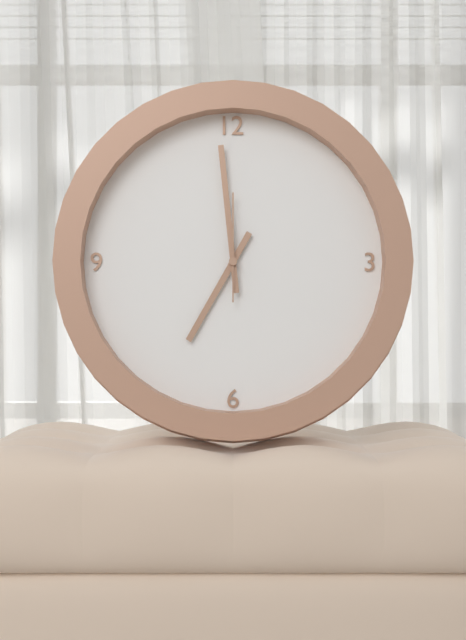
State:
6h59m00s
